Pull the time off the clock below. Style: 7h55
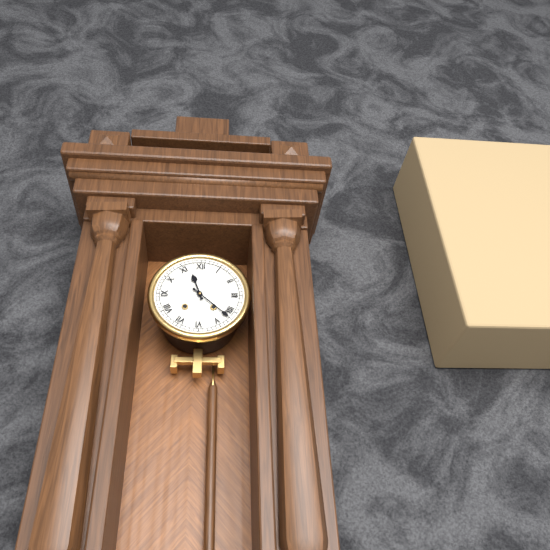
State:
11h22
